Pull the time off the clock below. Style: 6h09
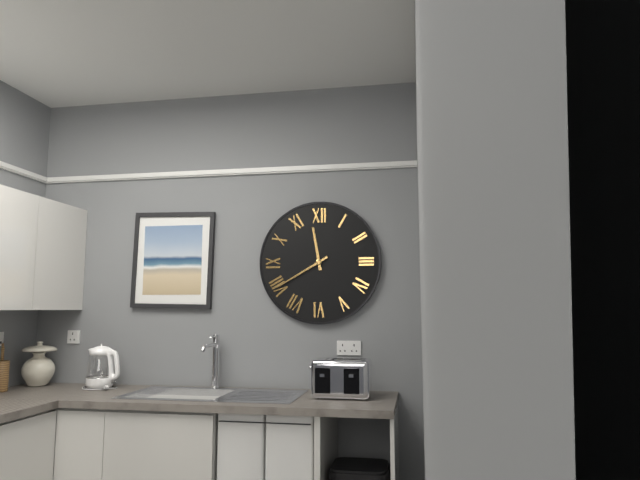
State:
11h40
